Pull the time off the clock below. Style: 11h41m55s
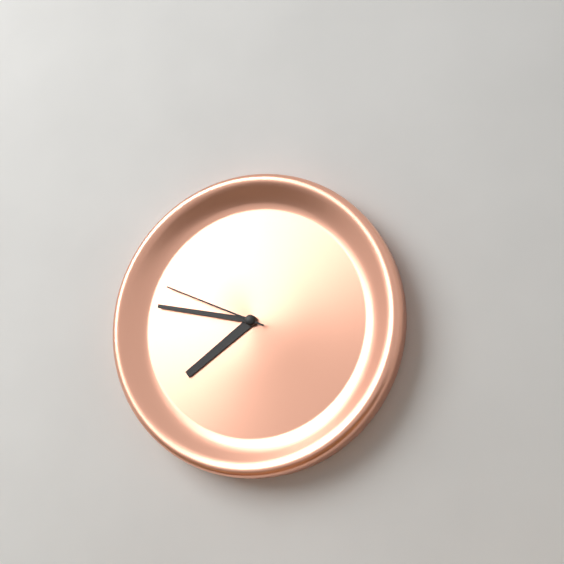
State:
7h47m49s
